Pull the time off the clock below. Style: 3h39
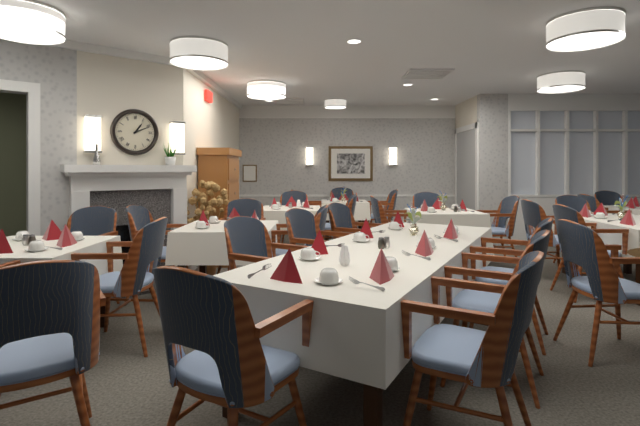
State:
1h11
